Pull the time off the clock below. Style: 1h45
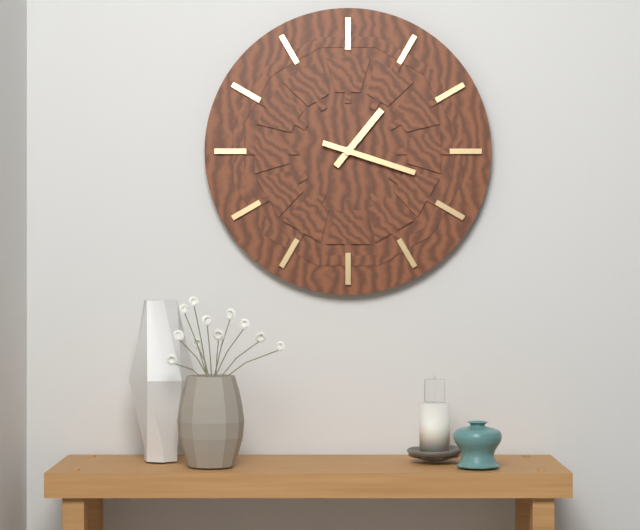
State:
1h18
